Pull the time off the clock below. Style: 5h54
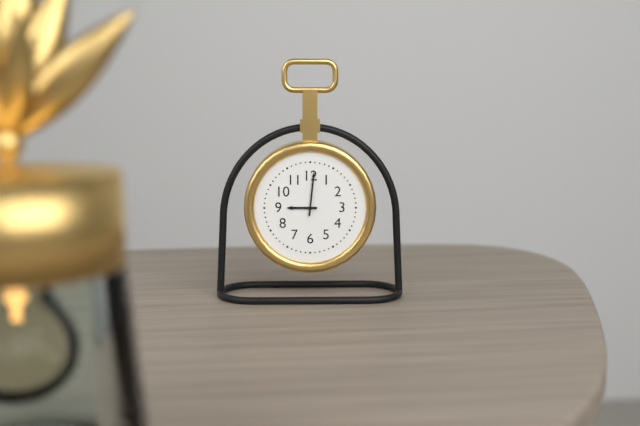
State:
9h01
